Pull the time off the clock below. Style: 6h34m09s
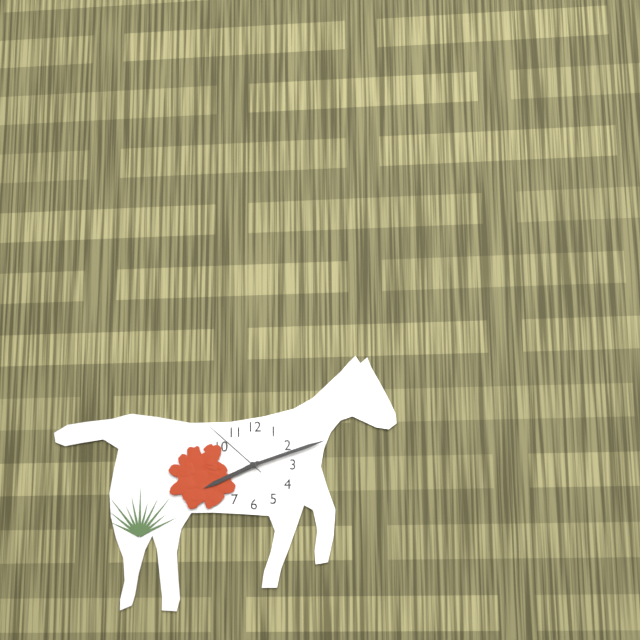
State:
8h12m52s
